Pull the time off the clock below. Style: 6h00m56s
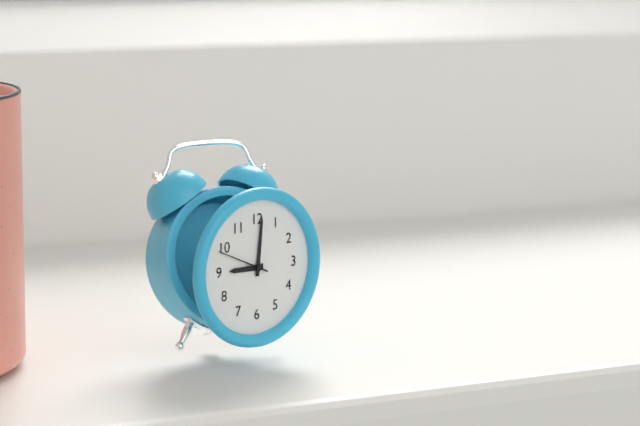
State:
9h01m49s
